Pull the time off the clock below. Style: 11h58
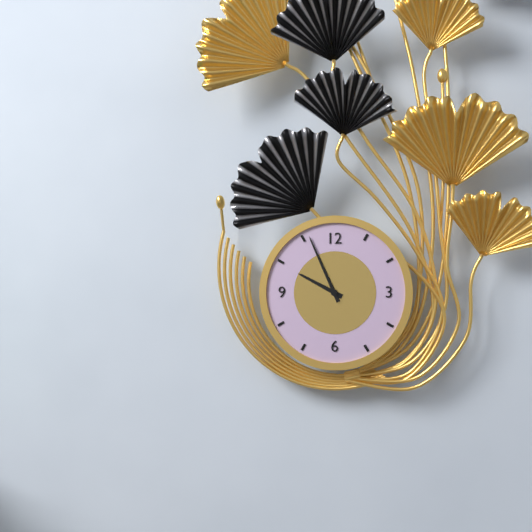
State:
9h56
